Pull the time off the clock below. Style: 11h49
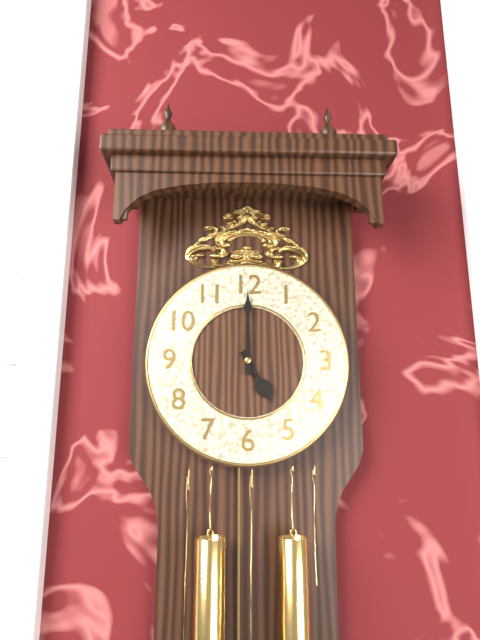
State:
5h00
